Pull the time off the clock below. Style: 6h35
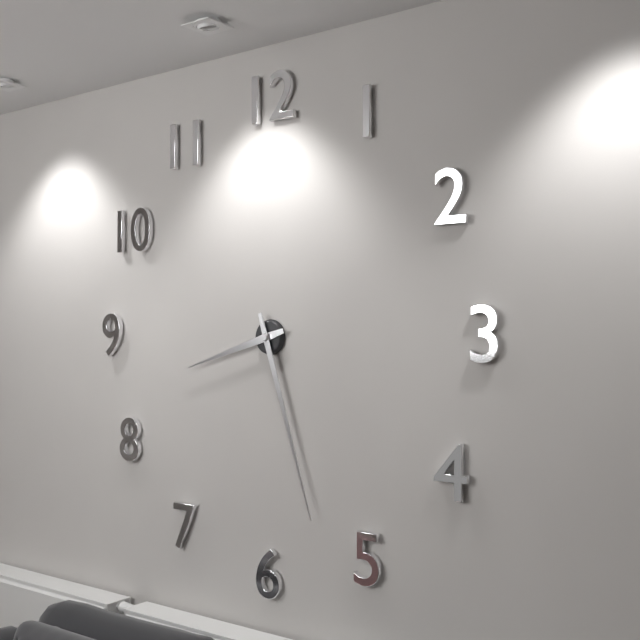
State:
8h27
